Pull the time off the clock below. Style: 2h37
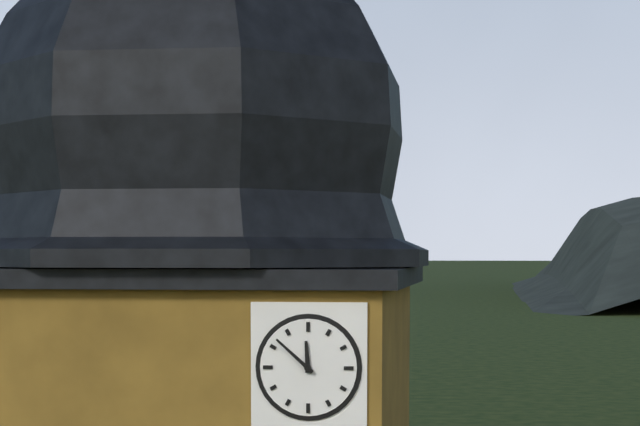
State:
11h52
